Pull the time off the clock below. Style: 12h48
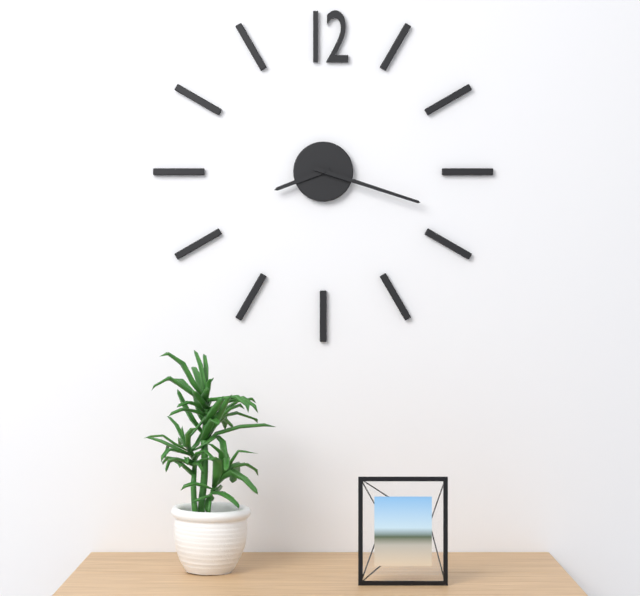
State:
8h18
